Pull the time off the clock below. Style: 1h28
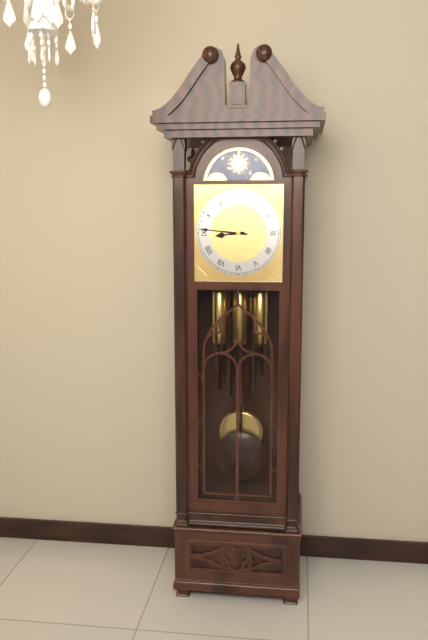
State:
8h46
